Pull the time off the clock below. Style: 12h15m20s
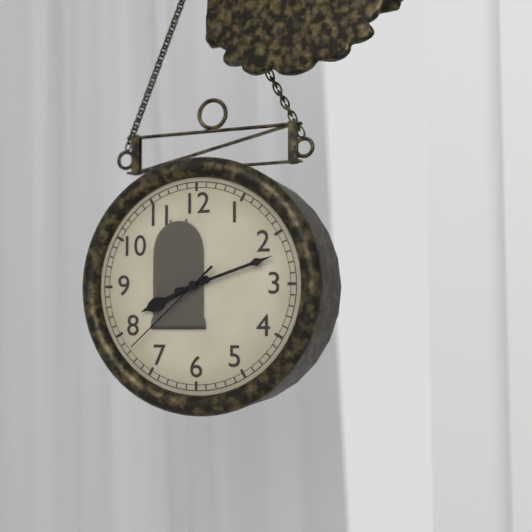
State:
8h12m38s
